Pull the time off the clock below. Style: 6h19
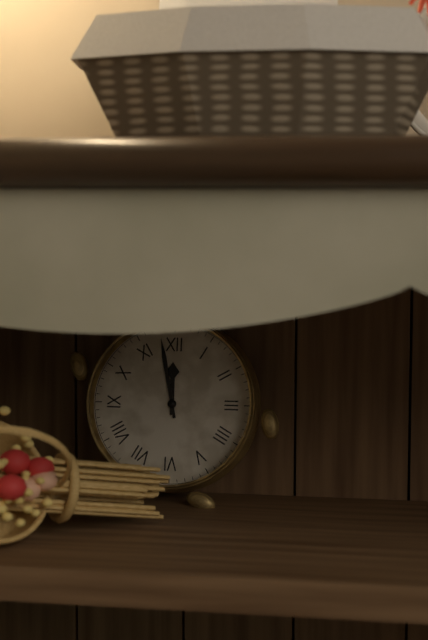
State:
11h58
